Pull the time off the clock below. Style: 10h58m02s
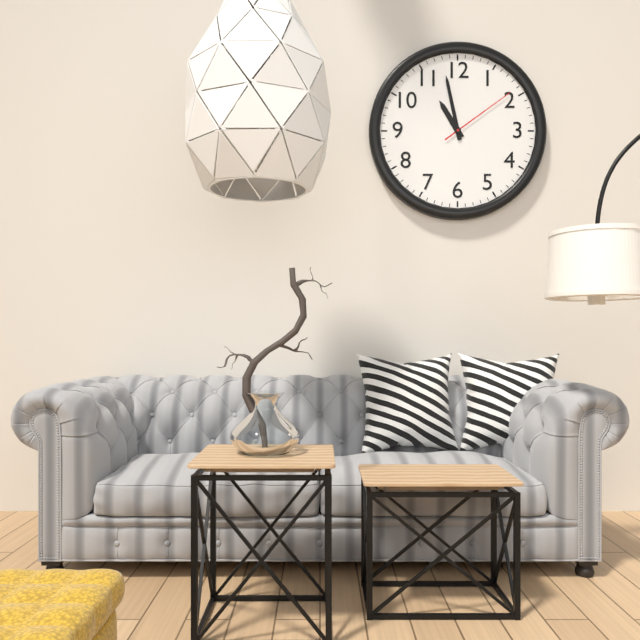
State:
10h58m09s
